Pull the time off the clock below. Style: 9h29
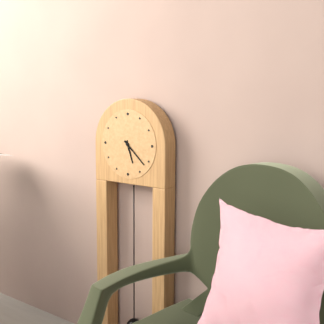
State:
5h22
